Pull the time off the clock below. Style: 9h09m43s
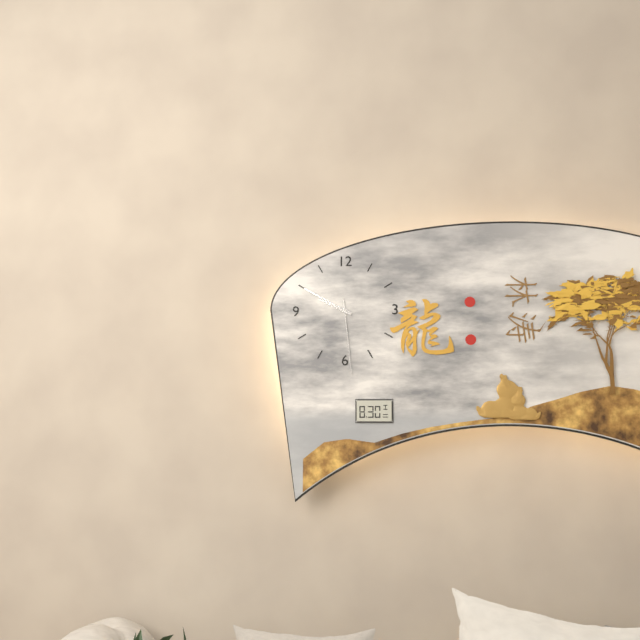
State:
9h50m29s
